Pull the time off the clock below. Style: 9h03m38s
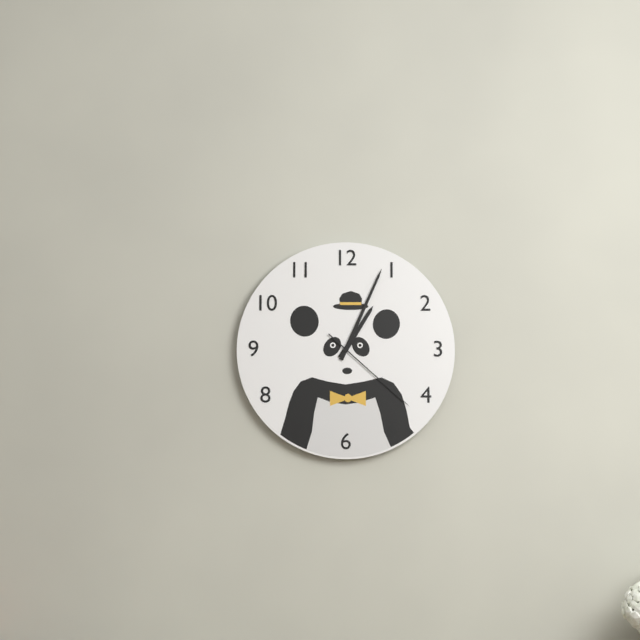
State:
1h04m22s
